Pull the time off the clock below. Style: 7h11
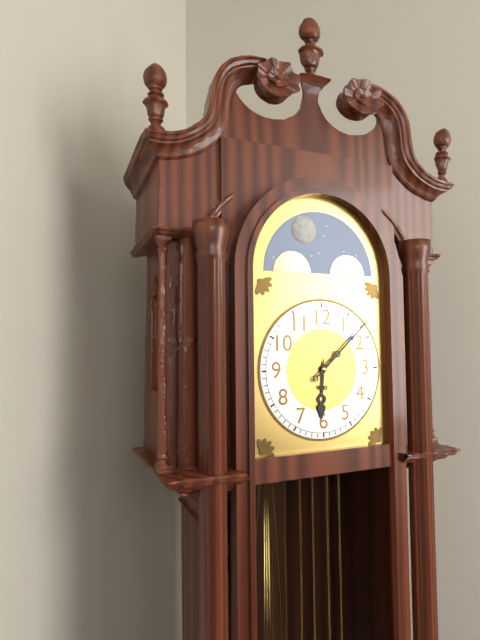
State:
6h08
